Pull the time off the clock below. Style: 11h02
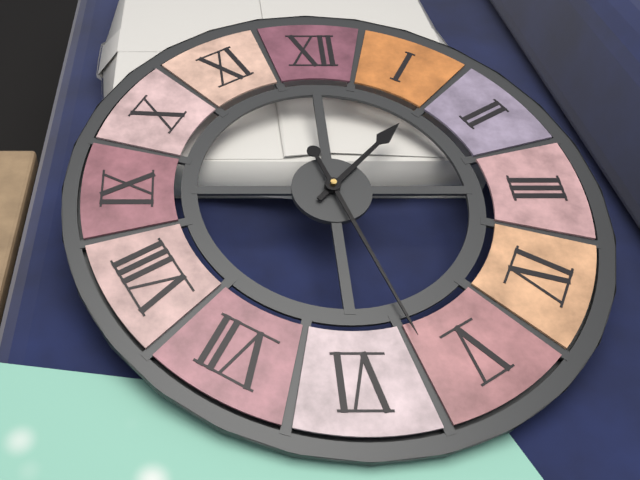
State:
1h27
